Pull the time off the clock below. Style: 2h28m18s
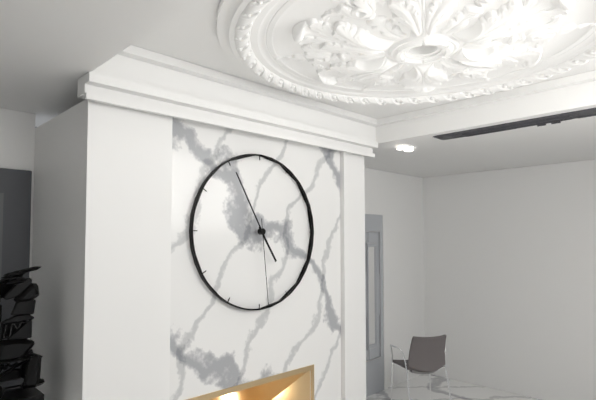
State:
4h55m29s
